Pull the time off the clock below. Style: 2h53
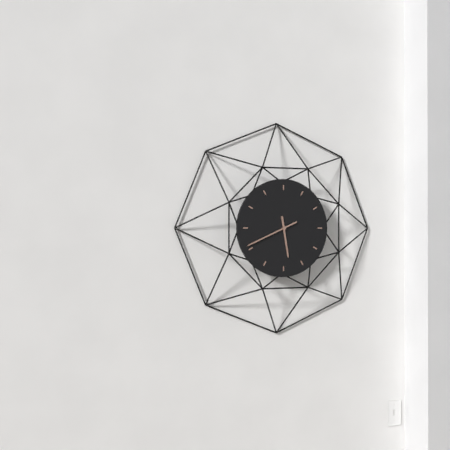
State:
5h41
